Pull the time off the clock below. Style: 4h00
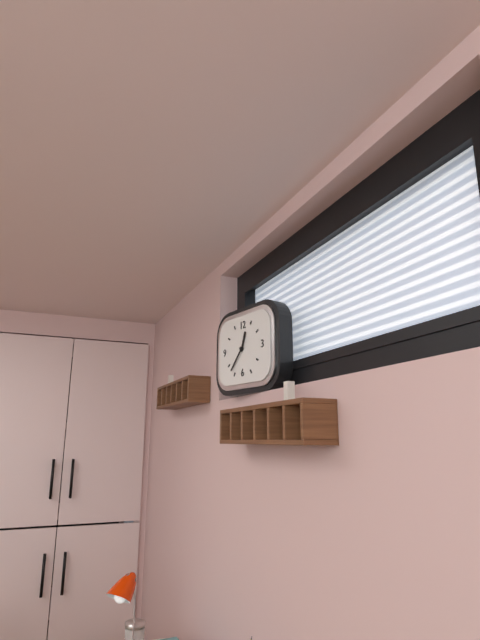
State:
12h37
